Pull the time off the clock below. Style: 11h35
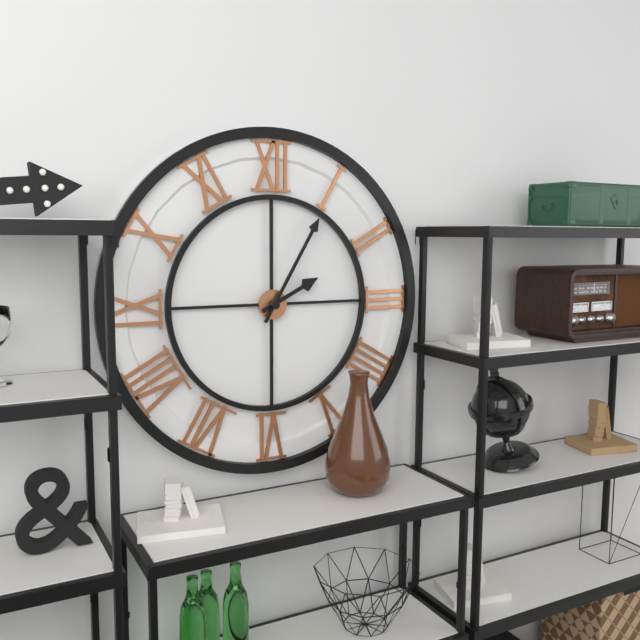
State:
2h05
